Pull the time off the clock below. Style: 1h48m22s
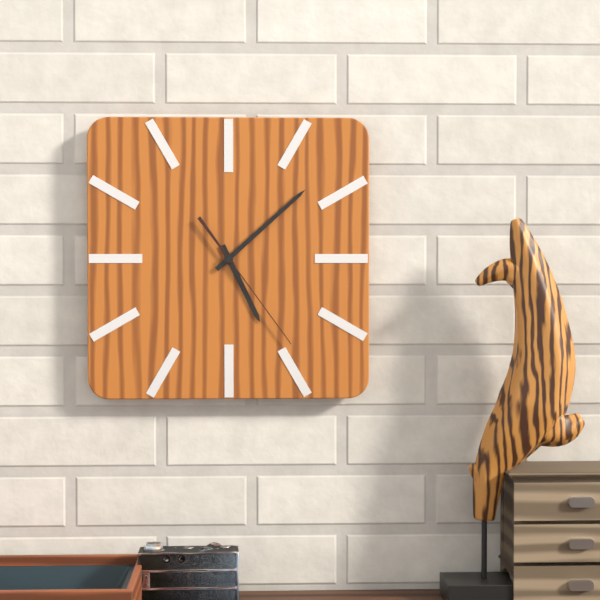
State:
5h08m24s
